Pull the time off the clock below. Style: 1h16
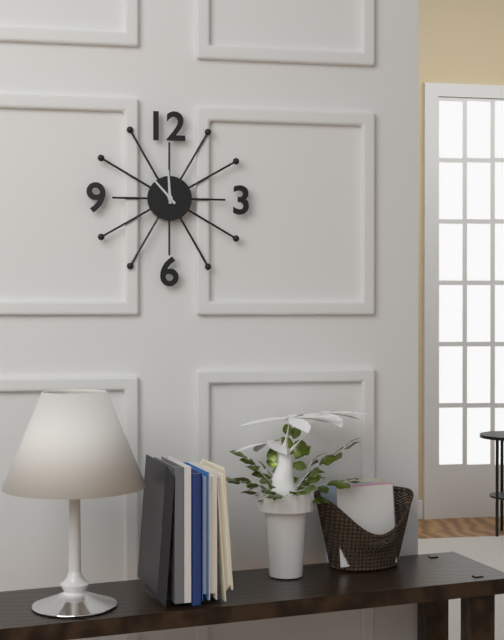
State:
11h53
